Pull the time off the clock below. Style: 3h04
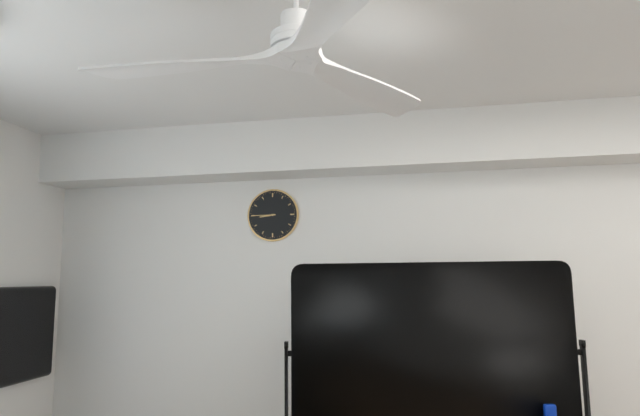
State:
8h45
